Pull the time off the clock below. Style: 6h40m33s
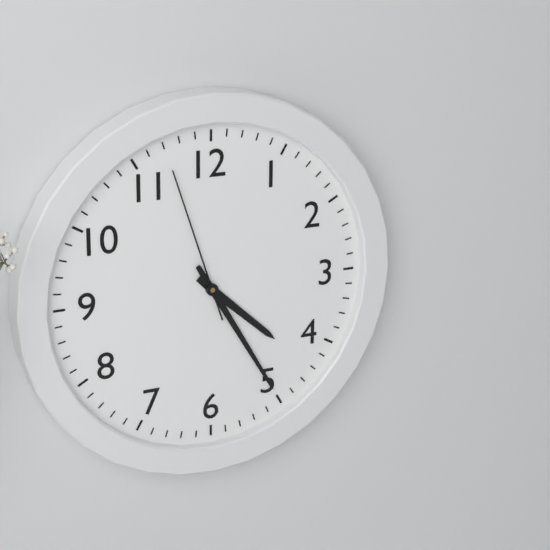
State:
4h25m57s
